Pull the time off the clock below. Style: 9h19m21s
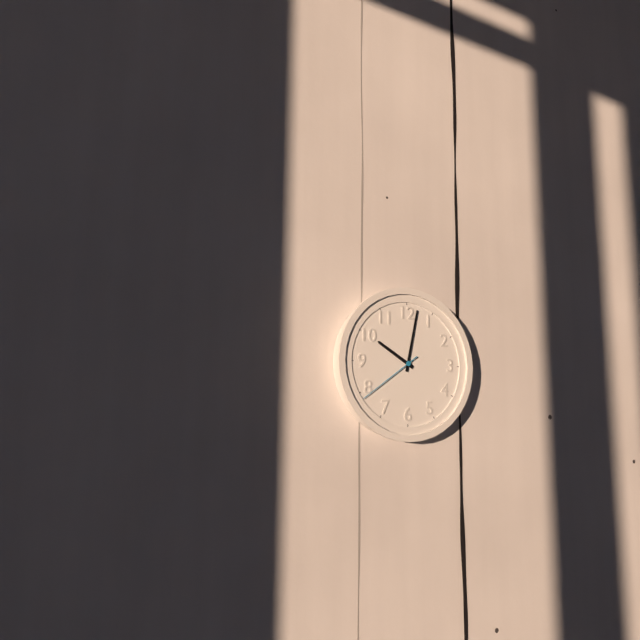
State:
10h02m39s
